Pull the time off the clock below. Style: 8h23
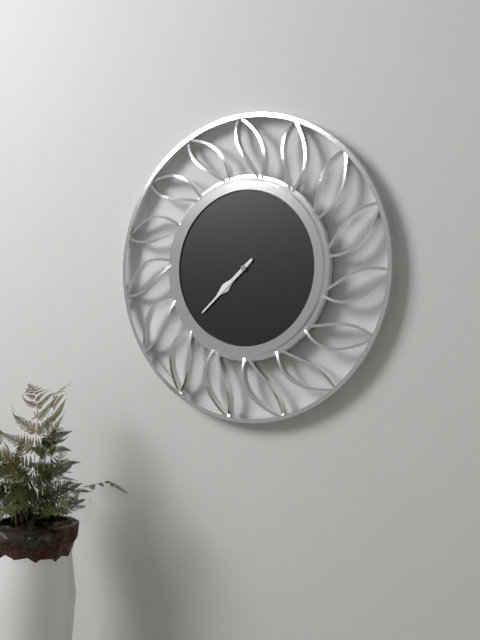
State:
7h38
